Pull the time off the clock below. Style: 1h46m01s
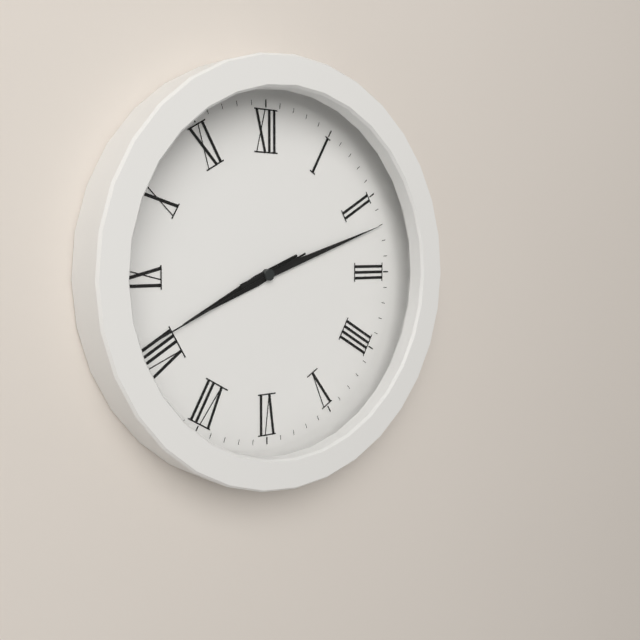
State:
8h12m41s
